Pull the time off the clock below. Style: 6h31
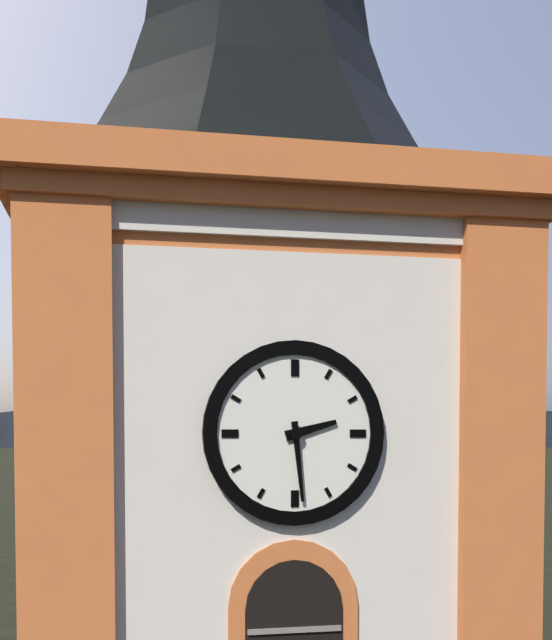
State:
2h29
